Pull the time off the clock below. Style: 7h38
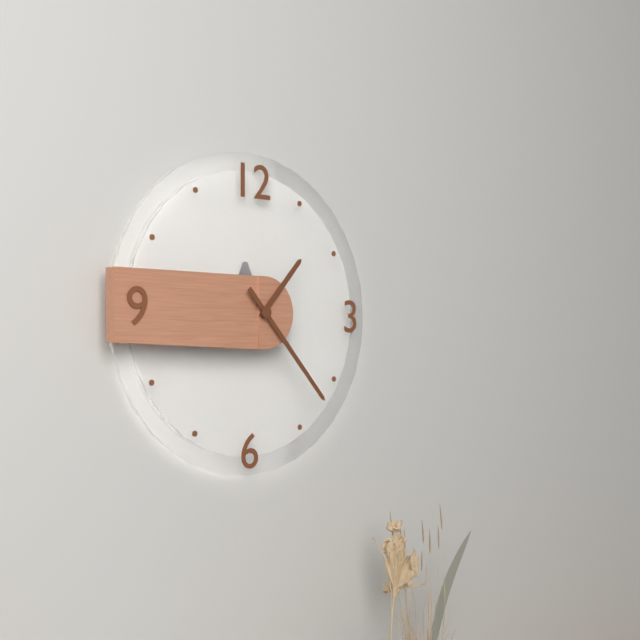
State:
1h23
